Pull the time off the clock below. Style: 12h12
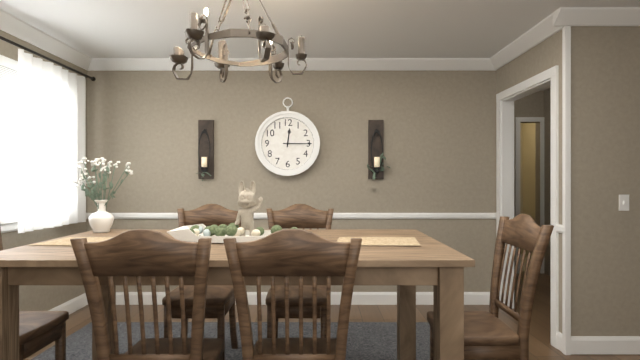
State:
12h15
